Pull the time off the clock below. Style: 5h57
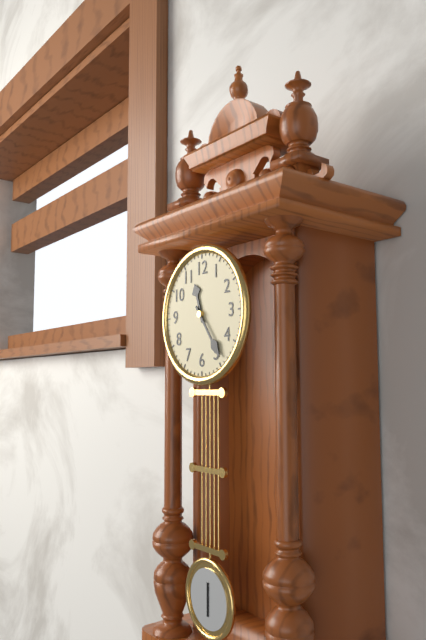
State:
11h24
